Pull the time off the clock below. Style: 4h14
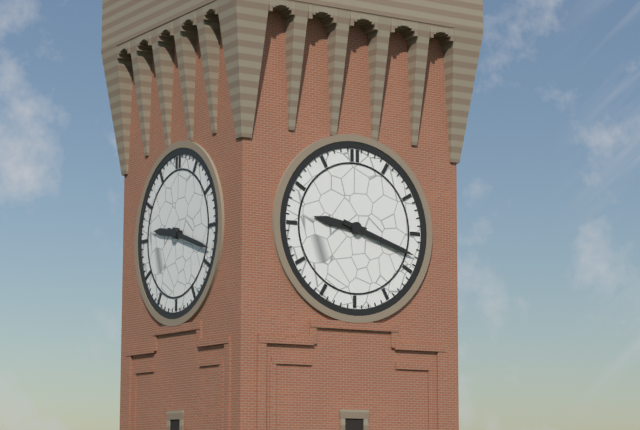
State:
9h18
